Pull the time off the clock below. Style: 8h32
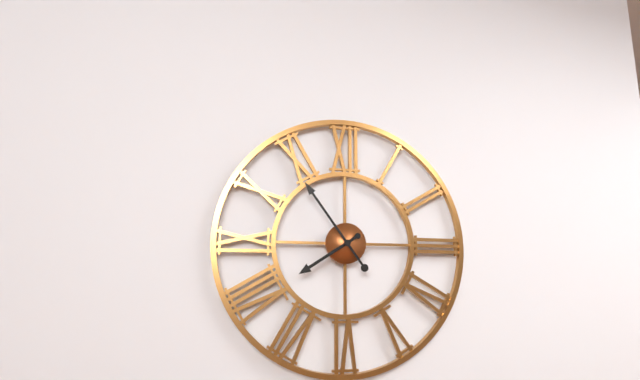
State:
7h54
